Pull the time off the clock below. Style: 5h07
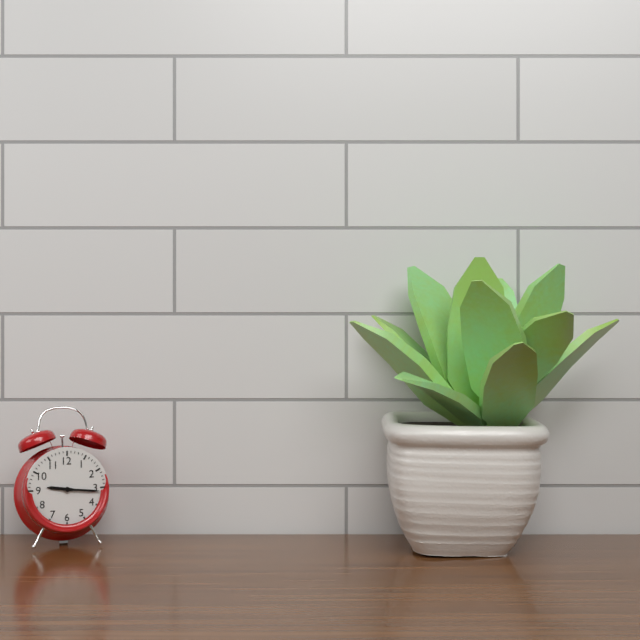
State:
9h16
